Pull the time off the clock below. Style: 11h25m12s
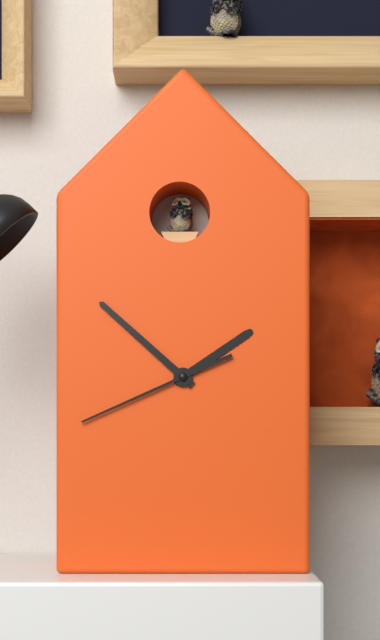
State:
1h52m41s
